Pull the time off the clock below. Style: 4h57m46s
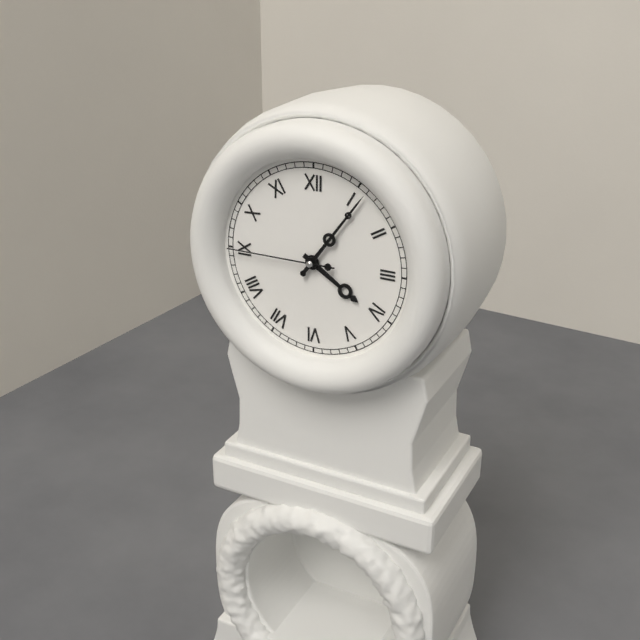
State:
4h06m45s
